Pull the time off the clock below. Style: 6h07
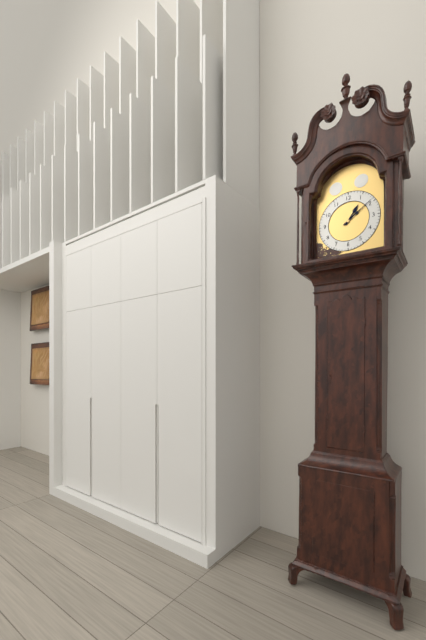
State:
1h09
